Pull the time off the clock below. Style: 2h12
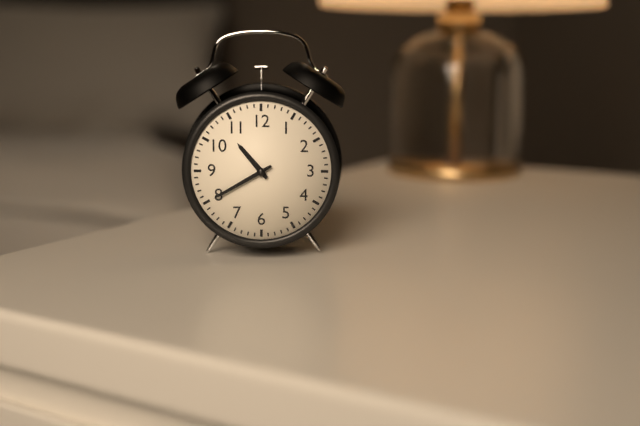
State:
10h40
